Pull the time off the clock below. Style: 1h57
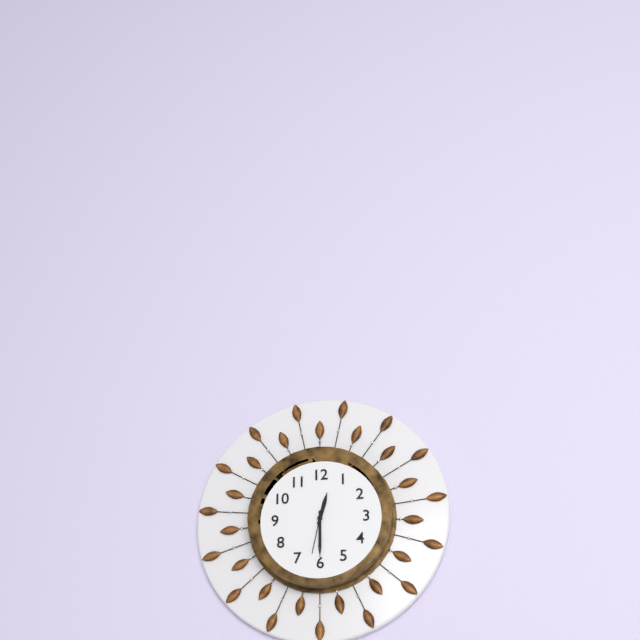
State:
12h30
